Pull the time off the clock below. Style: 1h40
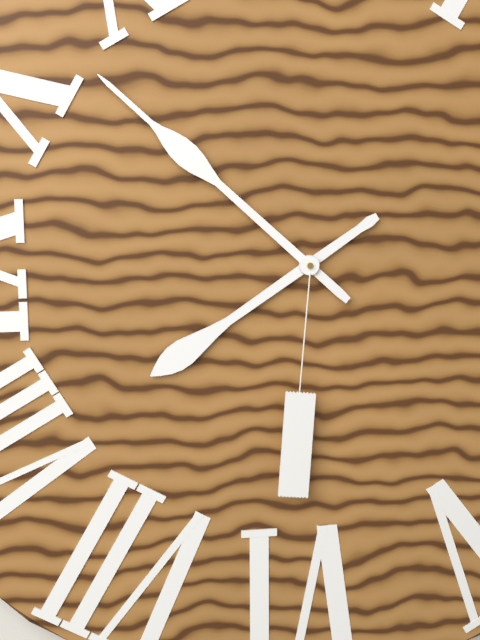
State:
7h52
